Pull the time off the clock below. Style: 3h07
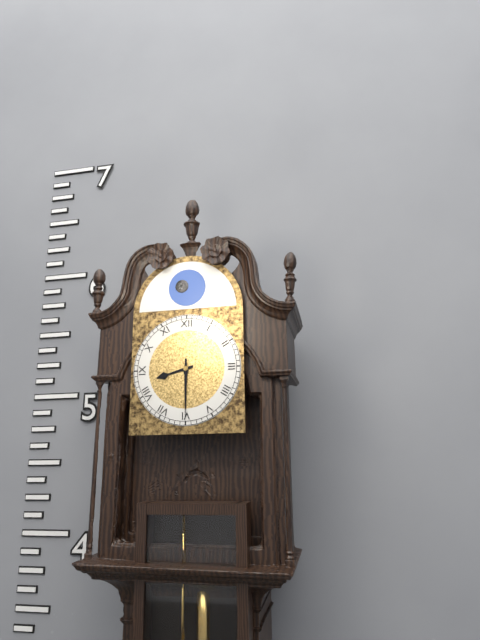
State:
8h30
